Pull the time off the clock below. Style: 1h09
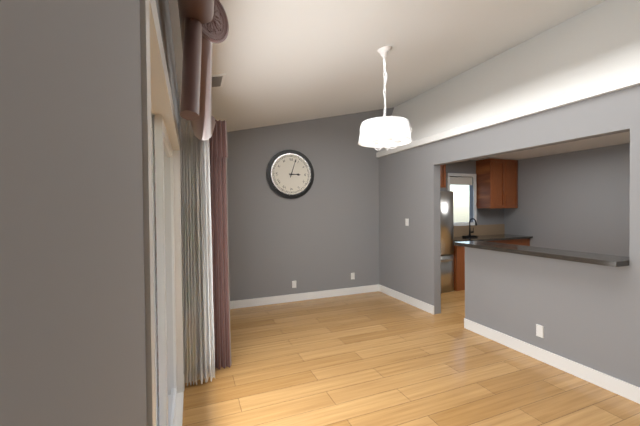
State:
3h03
